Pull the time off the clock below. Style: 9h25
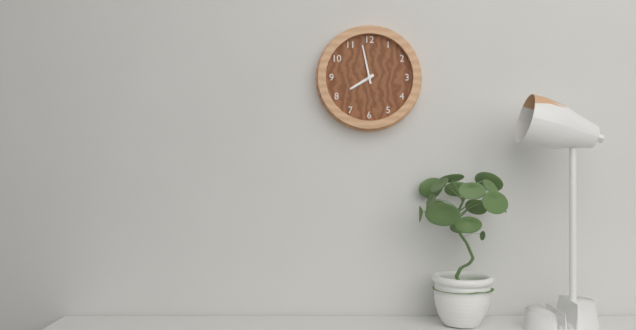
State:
7h58
